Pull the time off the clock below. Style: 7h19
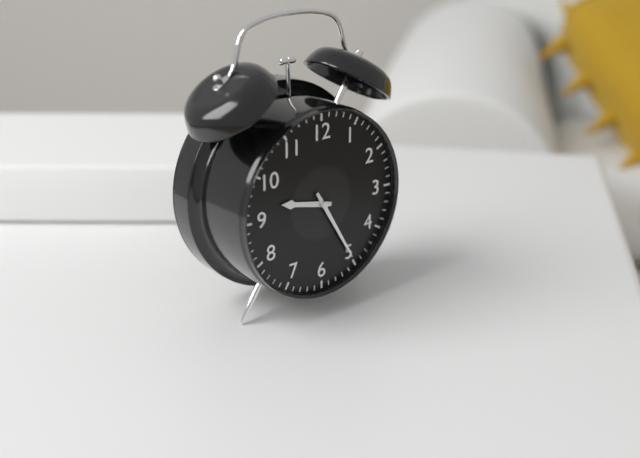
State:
9h25
